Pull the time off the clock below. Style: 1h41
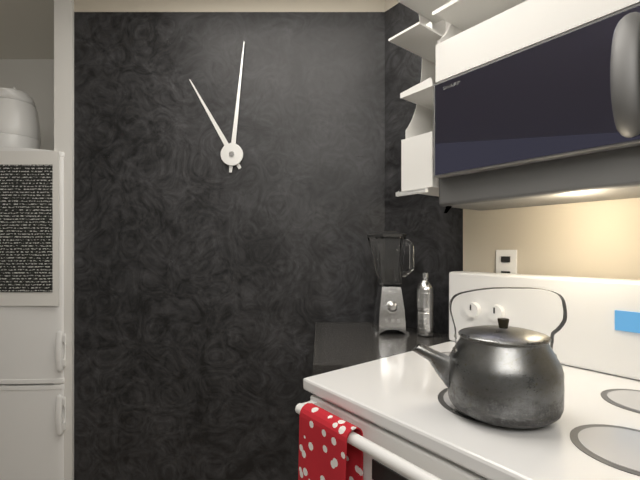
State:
11h01
